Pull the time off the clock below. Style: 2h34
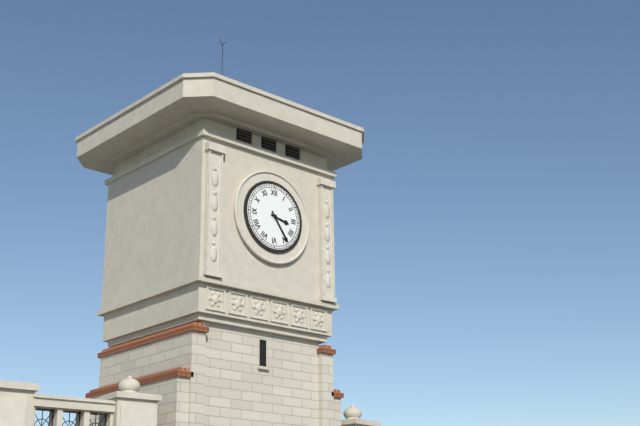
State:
3h24
